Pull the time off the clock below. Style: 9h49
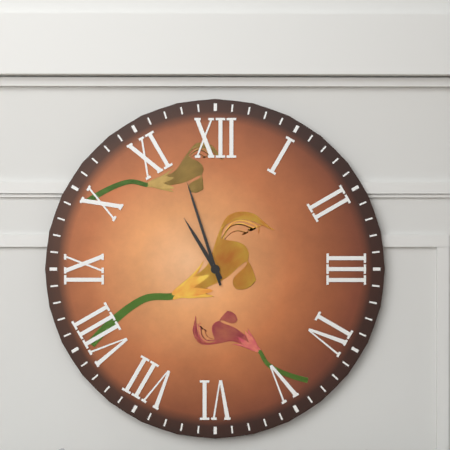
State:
10h57
